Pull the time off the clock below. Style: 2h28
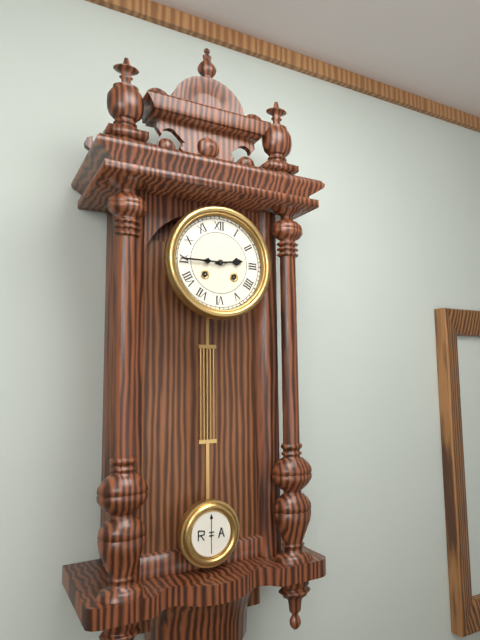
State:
2h45
